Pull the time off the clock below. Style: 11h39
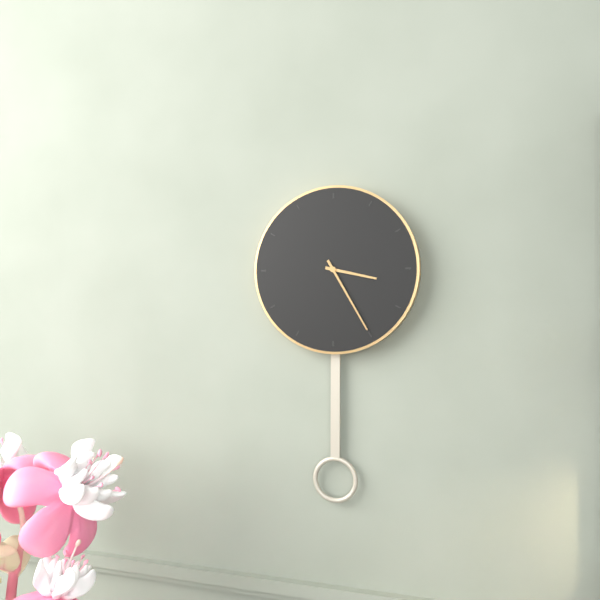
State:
3h25
